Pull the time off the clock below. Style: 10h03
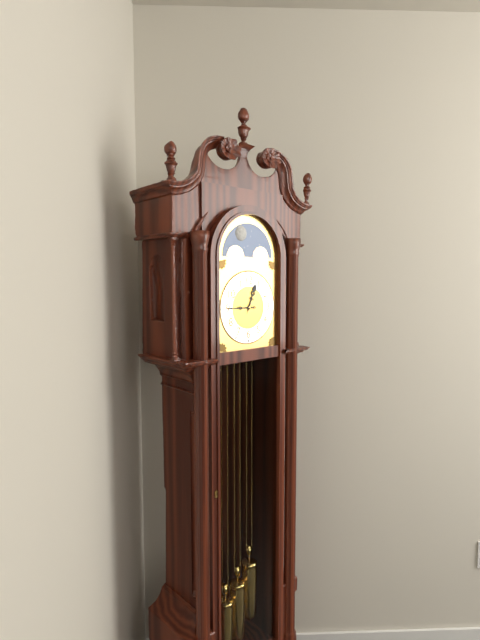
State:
12h45
